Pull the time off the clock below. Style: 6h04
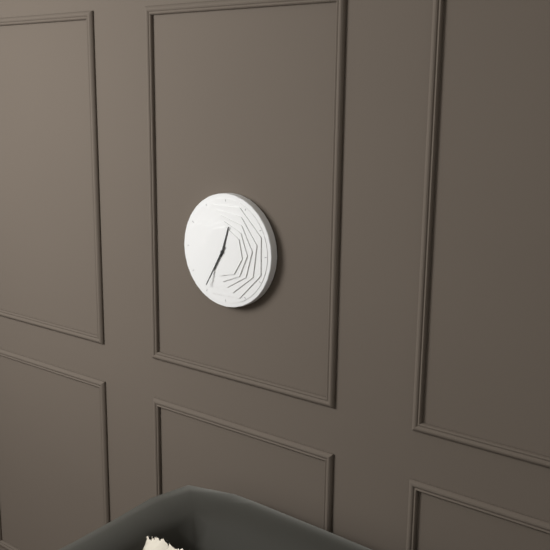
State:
12h35
